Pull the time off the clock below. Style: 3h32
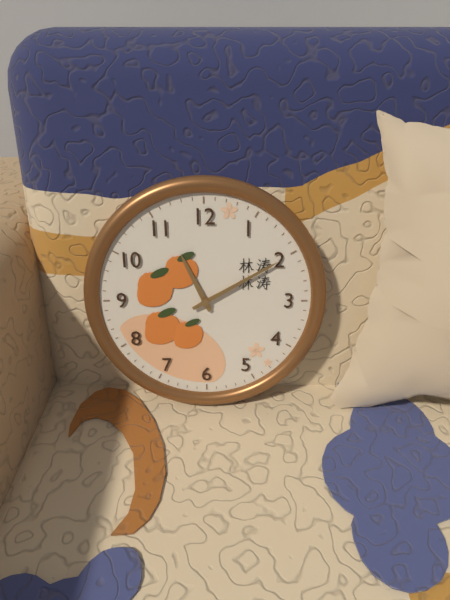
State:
11h10
